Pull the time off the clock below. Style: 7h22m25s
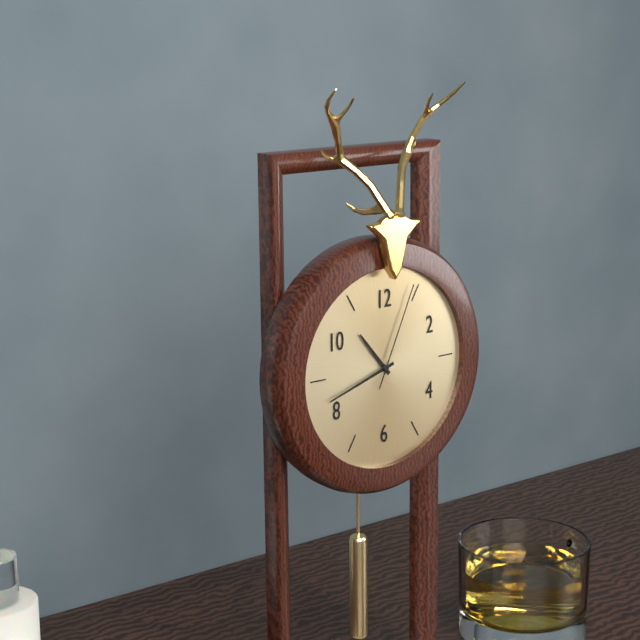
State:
10h42m04s
